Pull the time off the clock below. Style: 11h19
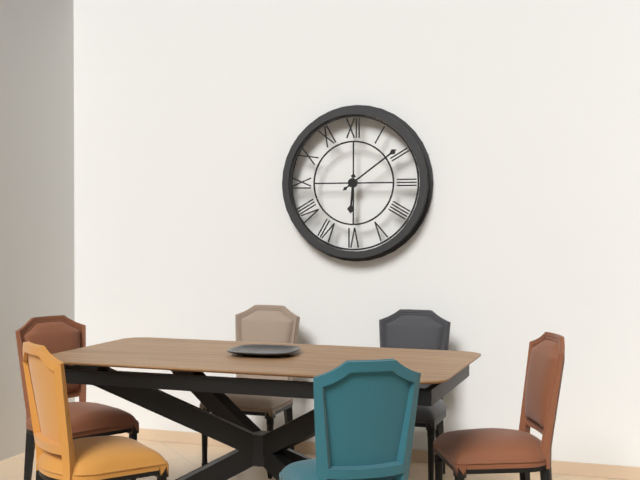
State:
6h09
